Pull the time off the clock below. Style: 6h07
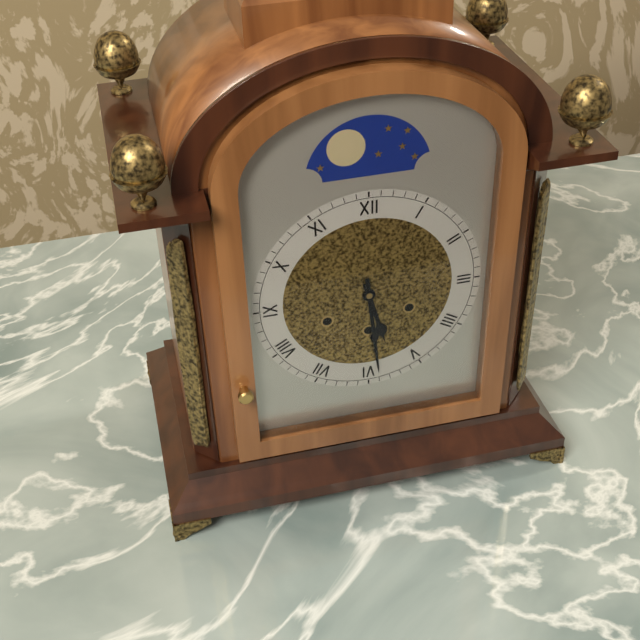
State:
5h29
